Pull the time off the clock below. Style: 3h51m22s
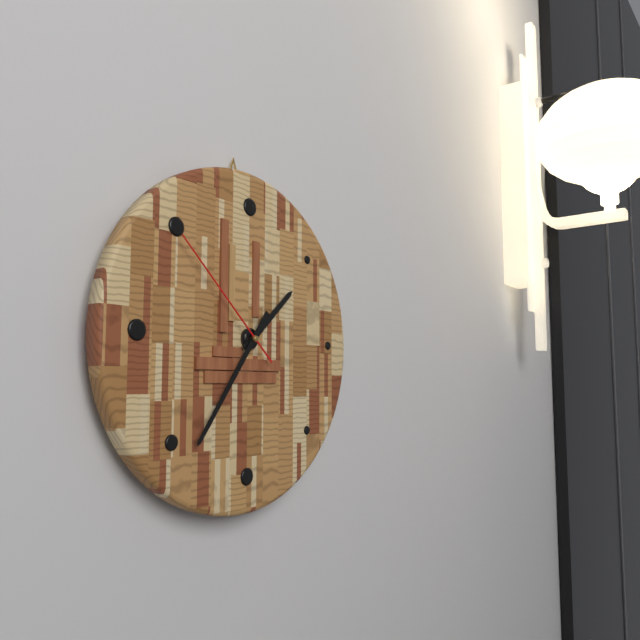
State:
1h36m52s
